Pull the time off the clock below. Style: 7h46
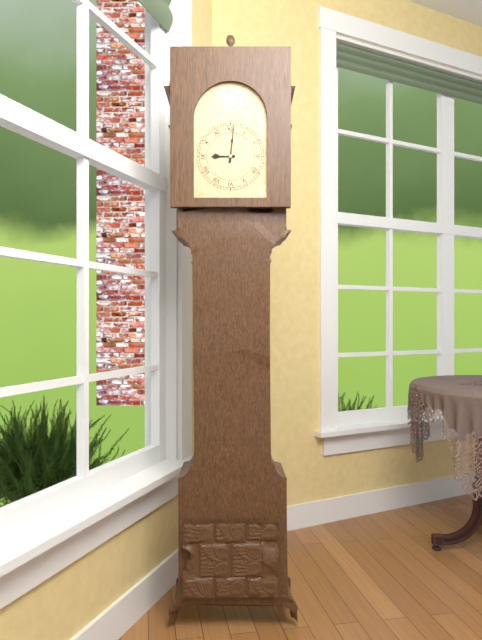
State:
9h01
